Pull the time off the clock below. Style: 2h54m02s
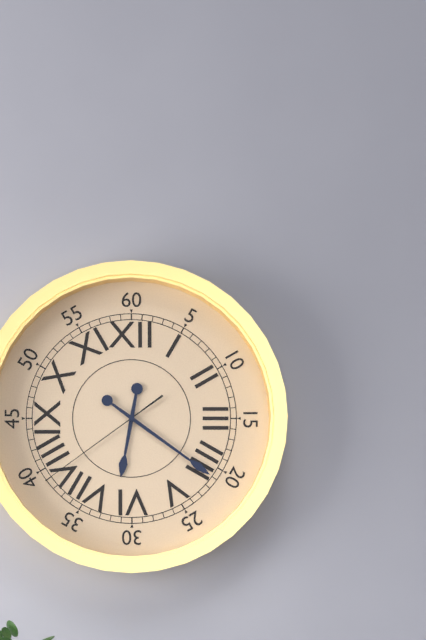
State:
6h21m39s
